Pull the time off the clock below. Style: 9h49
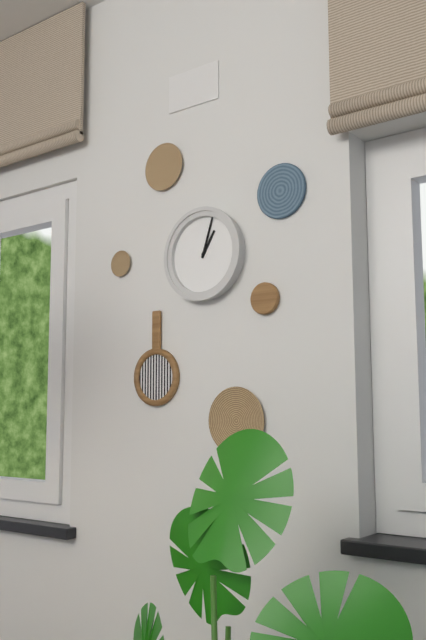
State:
1h03
